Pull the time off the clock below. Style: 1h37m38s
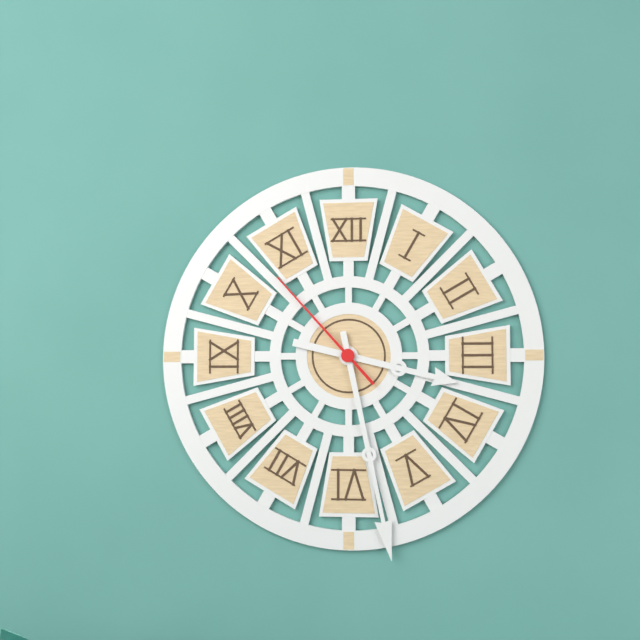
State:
3h28m53s
